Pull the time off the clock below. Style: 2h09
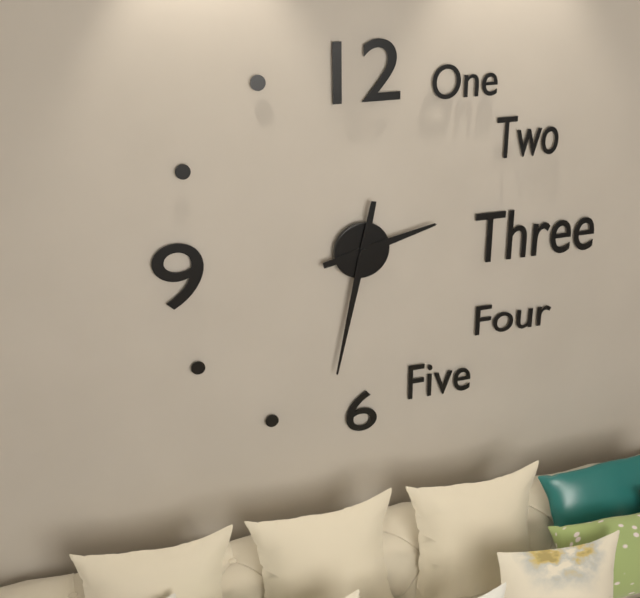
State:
2h32
